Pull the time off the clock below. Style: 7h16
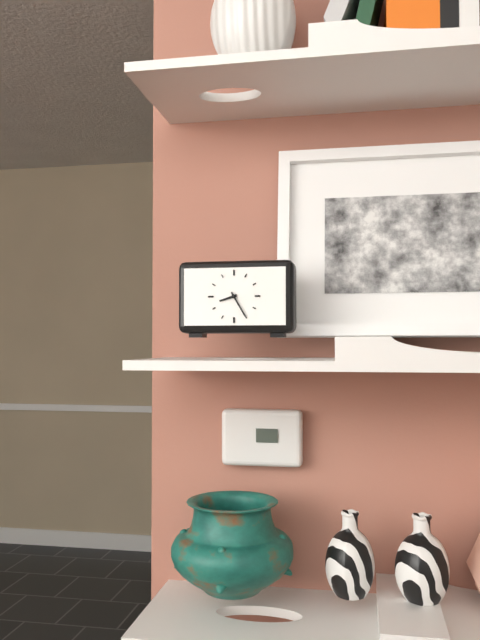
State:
8h25
